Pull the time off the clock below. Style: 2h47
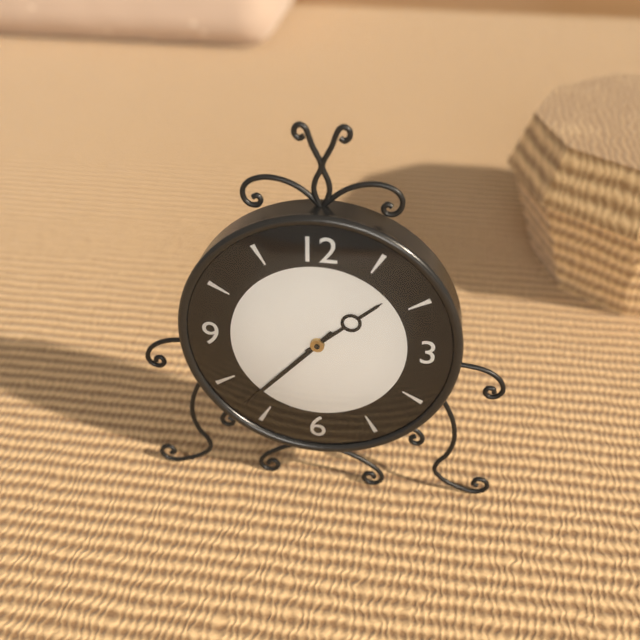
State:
1h37
